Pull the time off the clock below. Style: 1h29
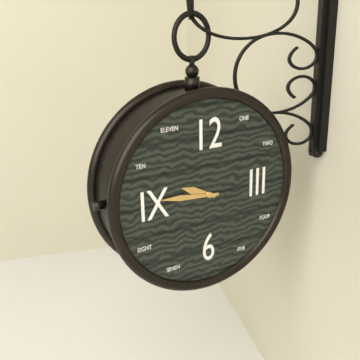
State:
9h46
